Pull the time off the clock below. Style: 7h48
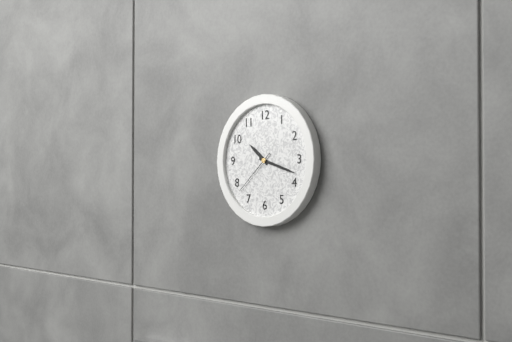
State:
10h18
